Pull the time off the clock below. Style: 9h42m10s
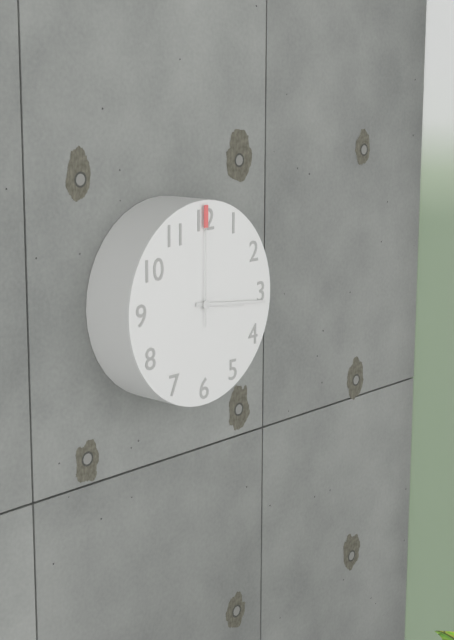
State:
3h16m00s
